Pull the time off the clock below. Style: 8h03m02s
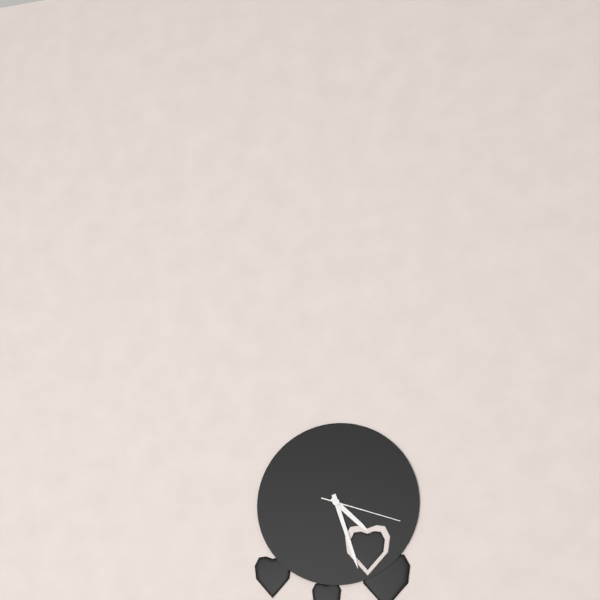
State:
4h27m18s
